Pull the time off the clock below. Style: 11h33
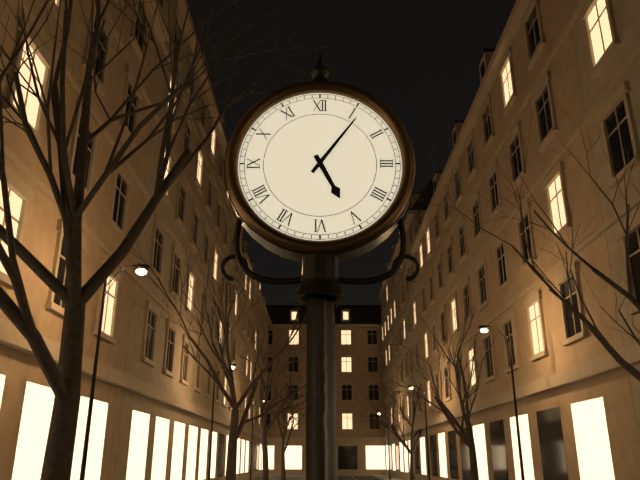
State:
5h06
